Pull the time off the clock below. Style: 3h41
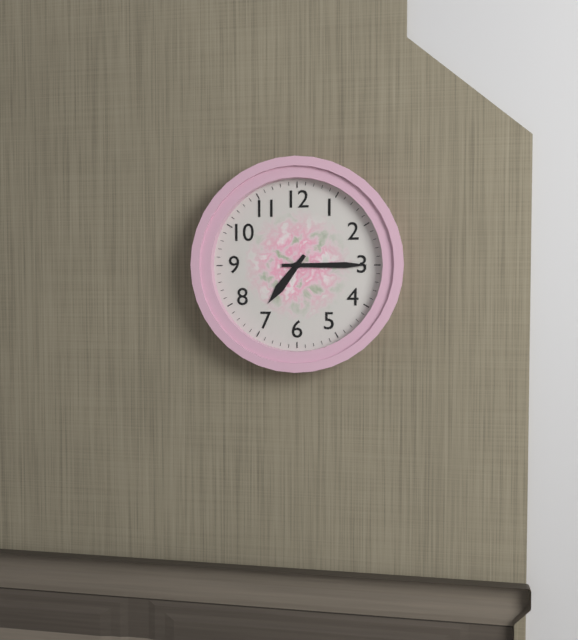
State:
7h15
